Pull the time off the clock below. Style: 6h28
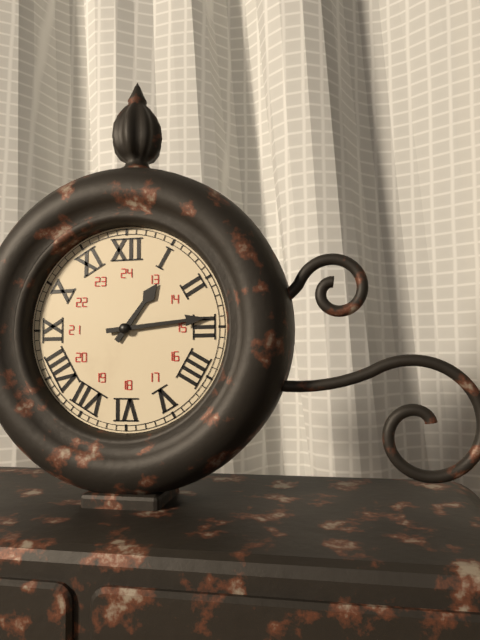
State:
1h14
